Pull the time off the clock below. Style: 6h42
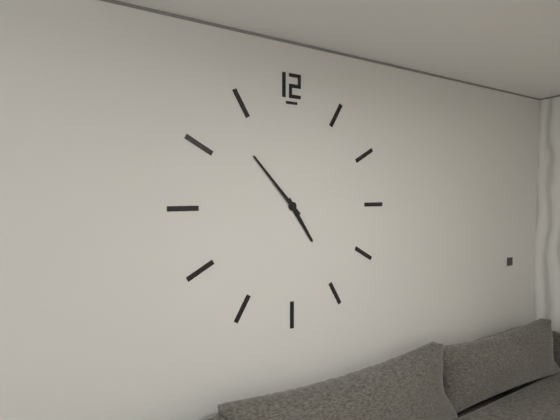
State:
4h53
